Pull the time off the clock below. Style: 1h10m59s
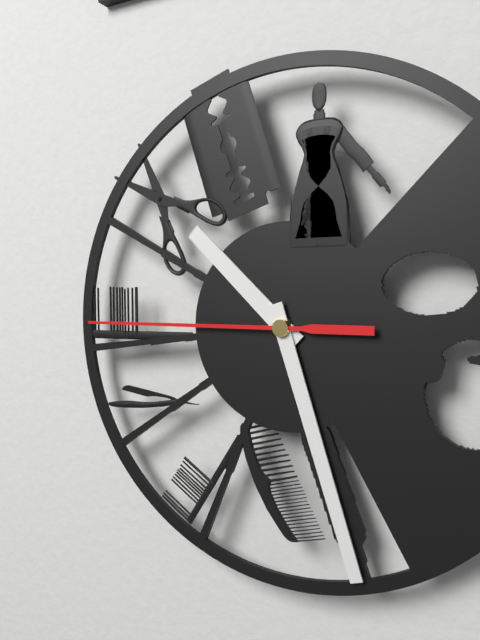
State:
10h27m45s
